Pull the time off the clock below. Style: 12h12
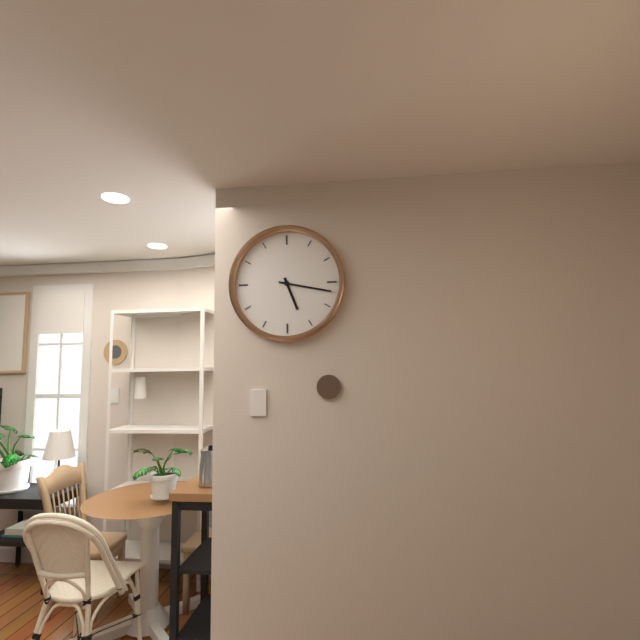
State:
5h17
